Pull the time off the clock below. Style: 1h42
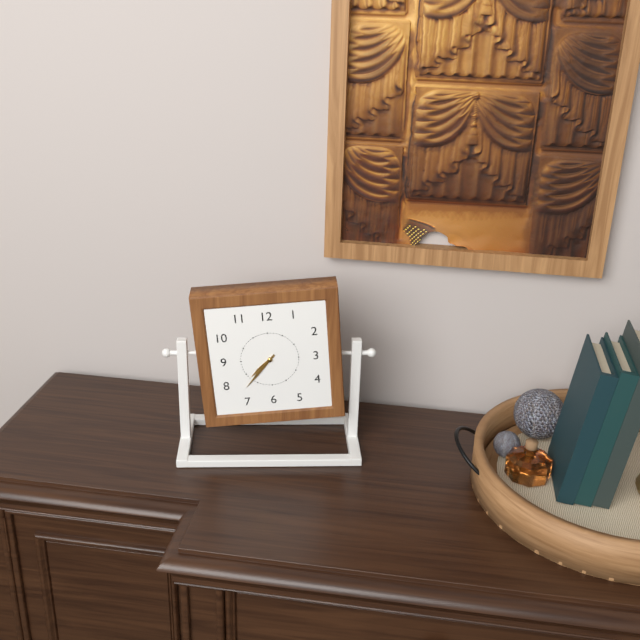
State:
7h37
